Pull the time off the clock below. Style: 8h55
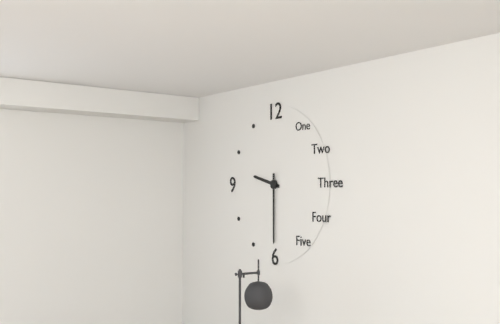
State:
9h30
